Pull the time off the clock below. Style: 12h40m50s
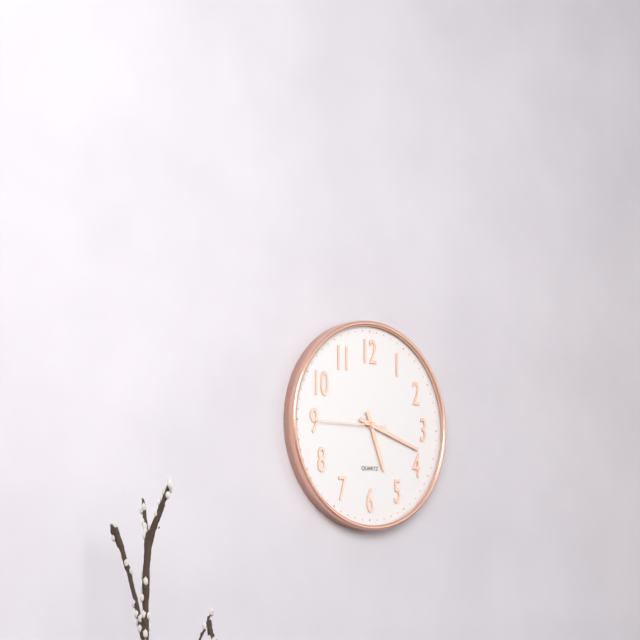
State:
5h18m45s
